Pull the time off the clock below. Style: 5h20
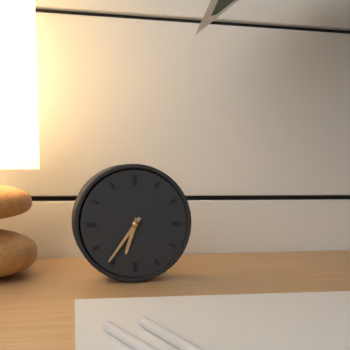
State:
6h36
